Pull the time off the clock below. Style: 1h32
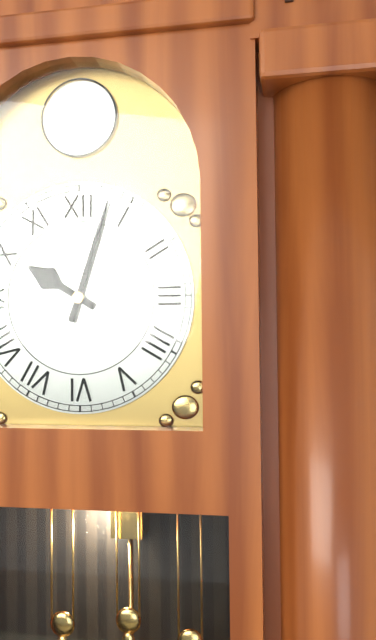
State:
10h03
